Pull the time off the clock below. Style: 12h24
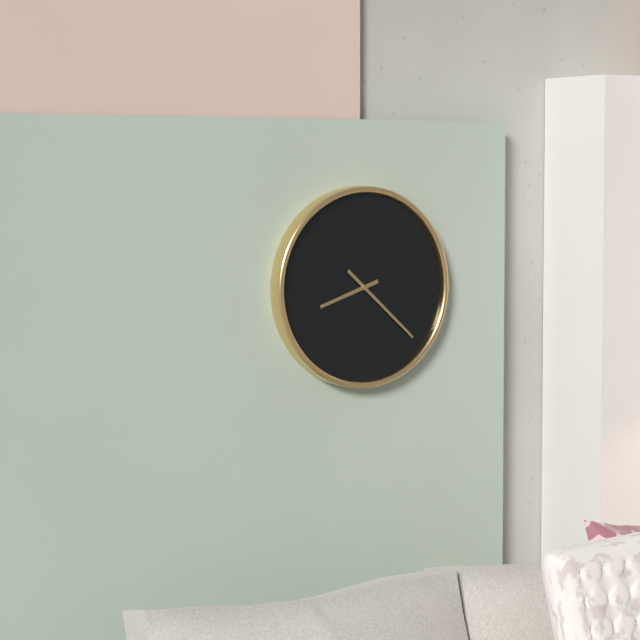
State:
8h22
